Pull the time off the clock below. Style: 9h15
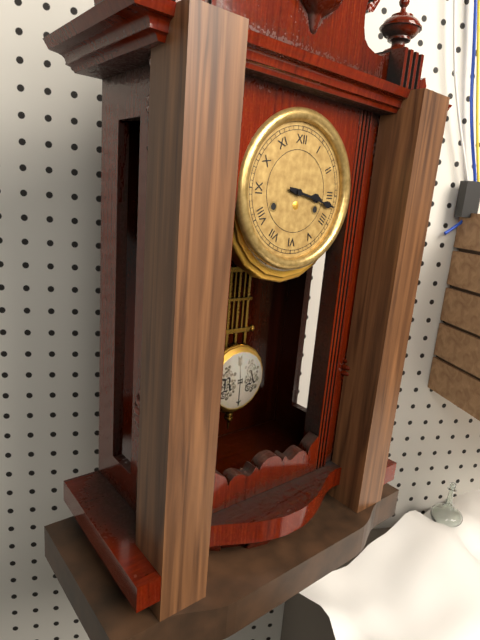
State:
3h17
